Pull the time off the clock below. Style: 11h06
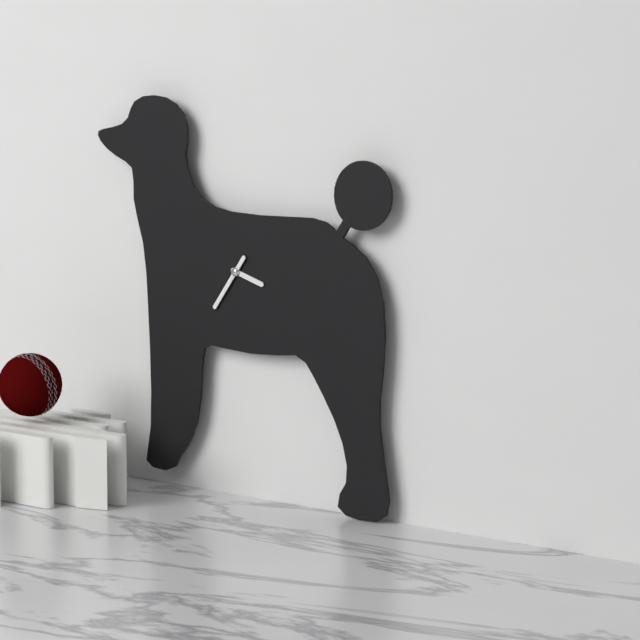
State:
3h36
